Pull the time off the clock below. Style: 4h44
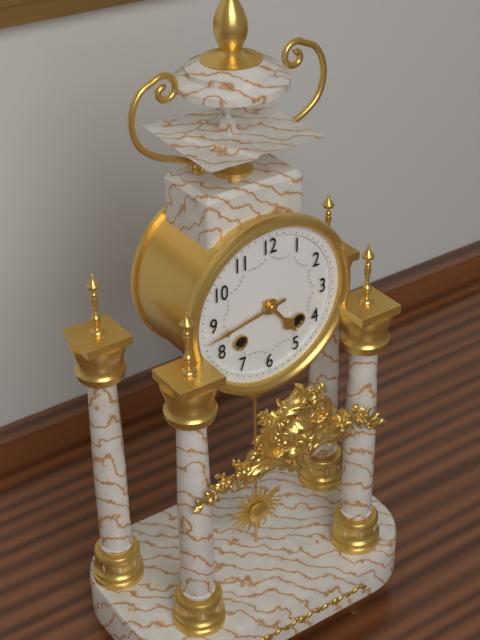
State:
4h43
